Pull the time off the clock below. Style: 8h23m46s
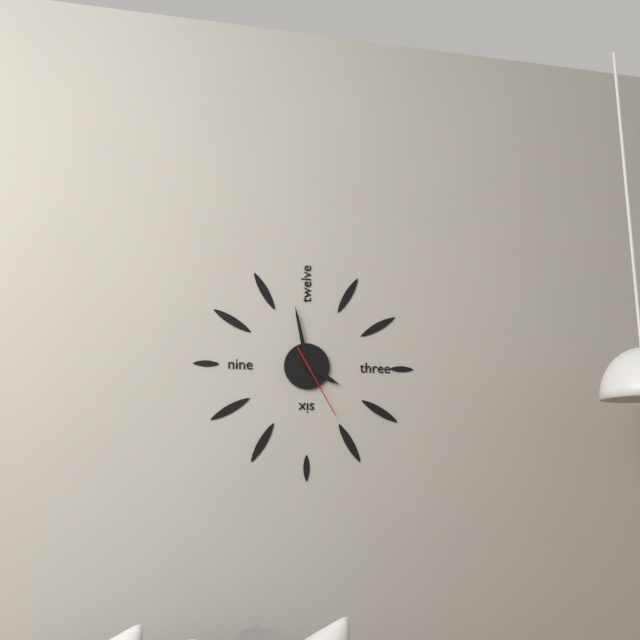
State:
3h58m25s
